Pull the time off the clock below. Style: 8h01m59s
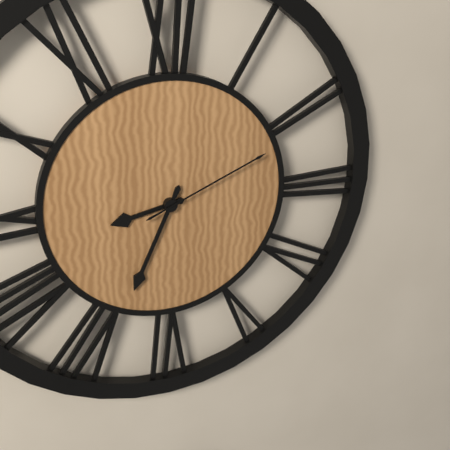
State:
8h34m11s
